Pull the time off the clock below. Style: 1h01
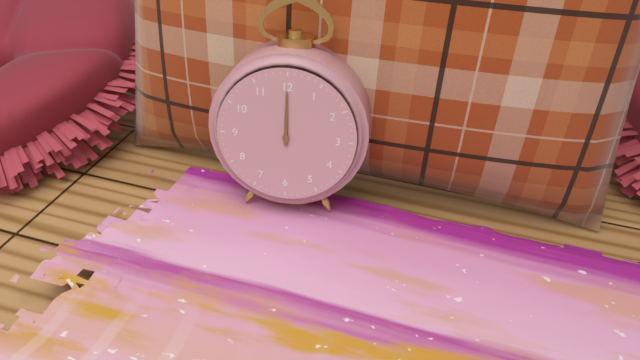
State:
12h00
